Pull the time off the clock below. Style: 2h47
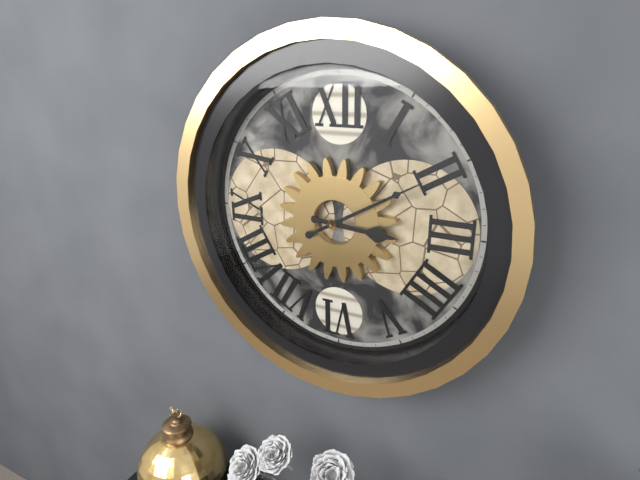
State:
3h10
